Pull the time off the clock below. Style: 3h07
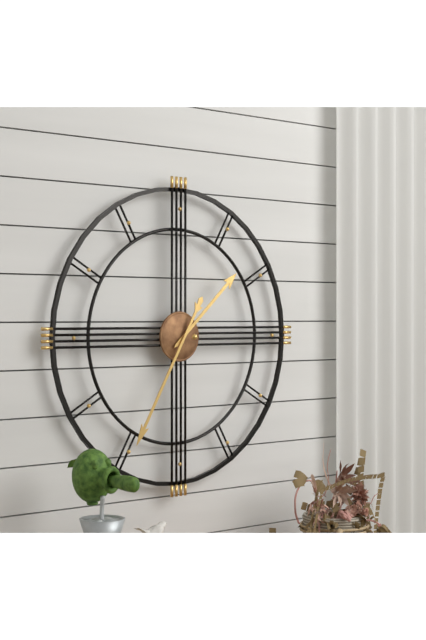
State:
1h35
